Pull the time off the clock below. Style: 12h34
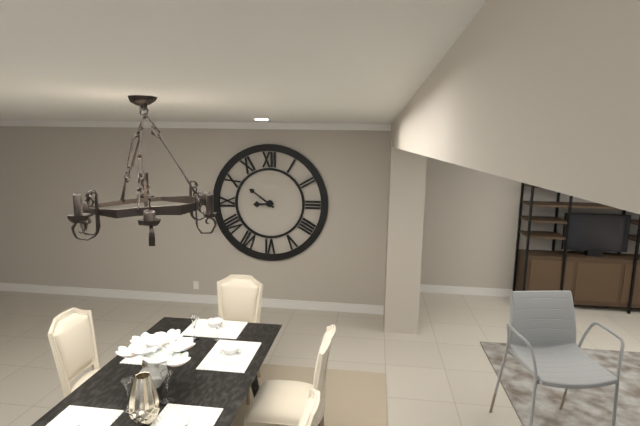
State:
8h51
